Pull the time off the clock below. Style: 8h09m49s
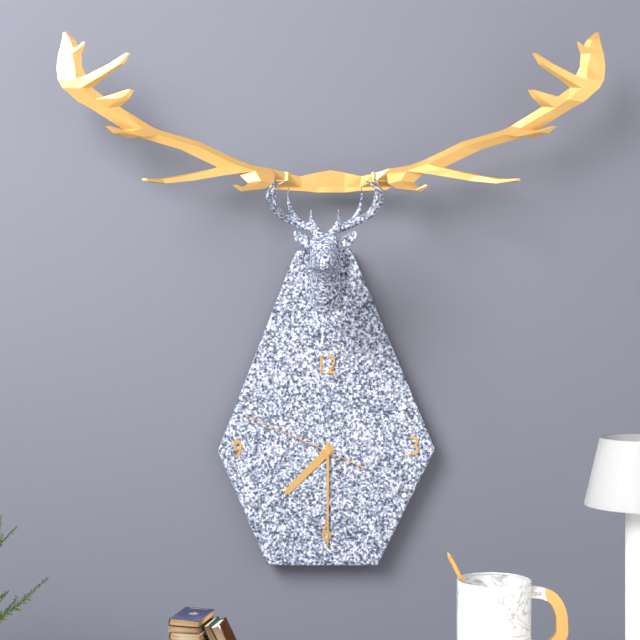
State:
7h30m49s
